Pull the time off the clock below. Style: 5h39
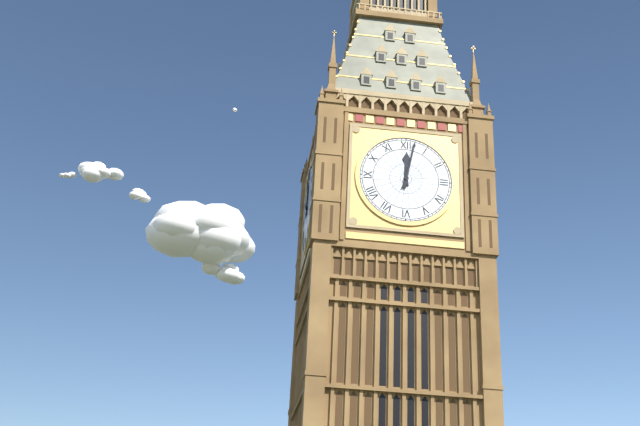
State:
12h02
